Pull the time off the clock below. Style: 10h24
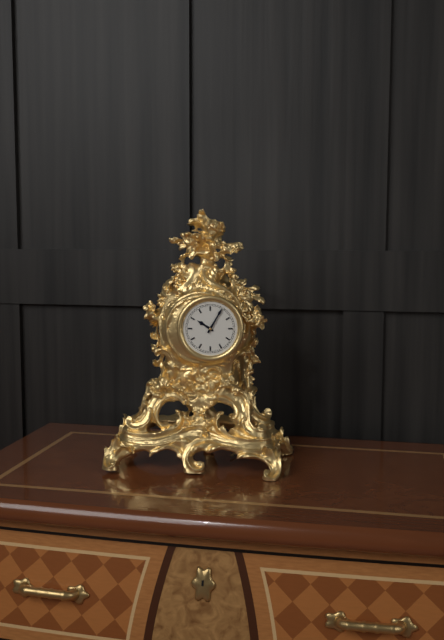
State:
10h05
